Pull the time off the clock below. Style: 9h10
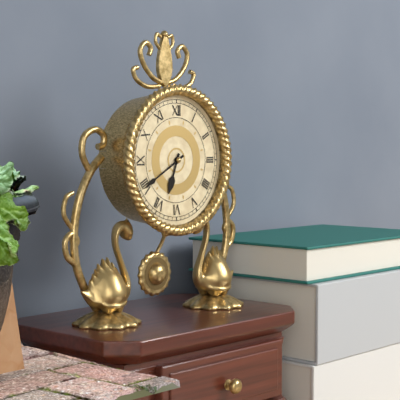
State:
6h40
